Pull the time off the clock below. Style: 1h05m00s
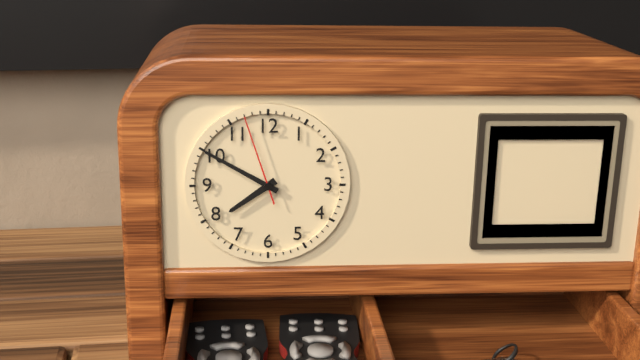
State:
7h50m57s
